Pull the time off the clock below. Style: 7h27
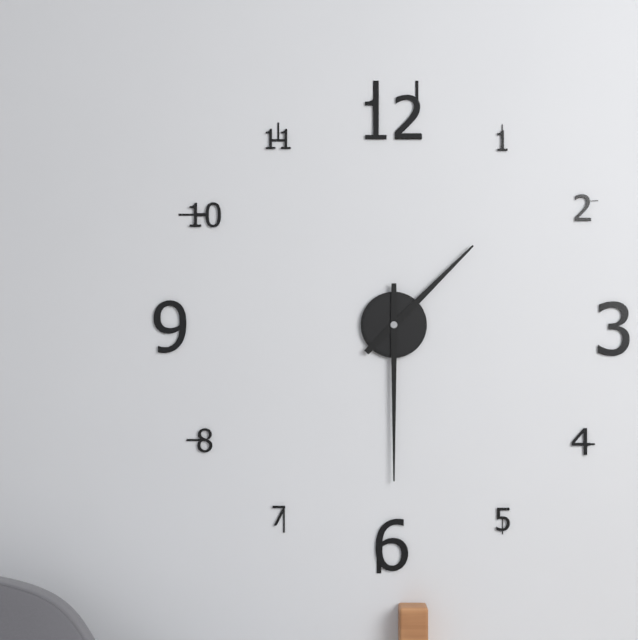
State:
1h30
